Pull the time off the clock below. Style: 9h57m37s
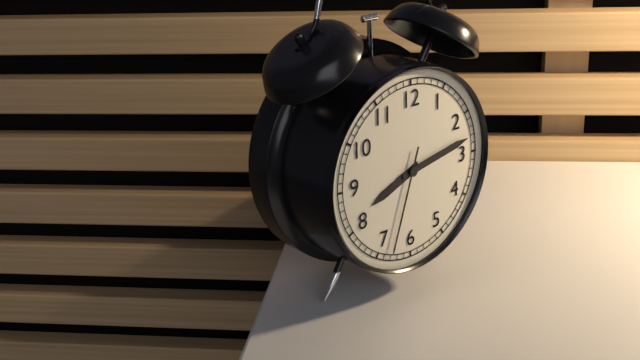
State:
8h13m33s
